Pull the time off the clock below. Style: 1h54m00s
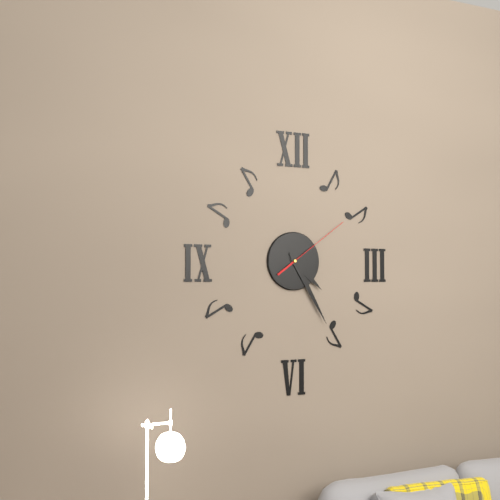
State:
4h25m09s
